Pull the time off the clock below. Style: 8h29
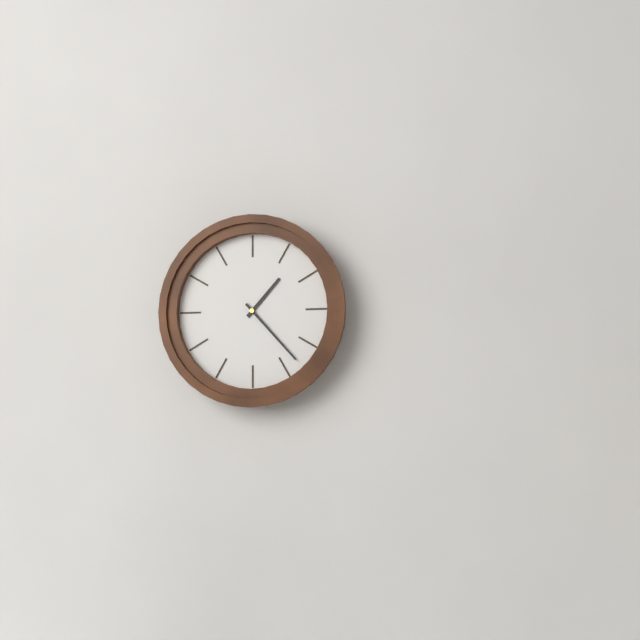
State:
1h23
